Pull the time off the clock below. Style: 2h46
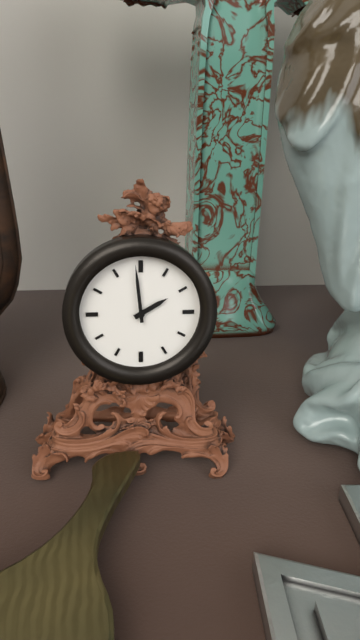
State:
1h59
